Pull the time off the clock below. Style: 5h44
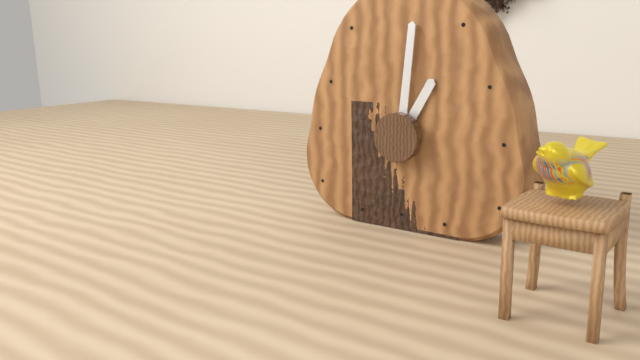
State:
1h01
